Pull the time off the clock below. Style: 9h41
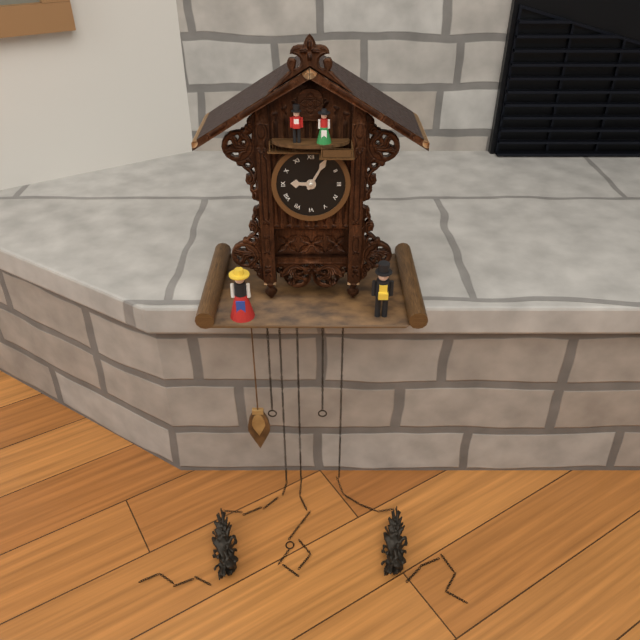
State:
9h05
